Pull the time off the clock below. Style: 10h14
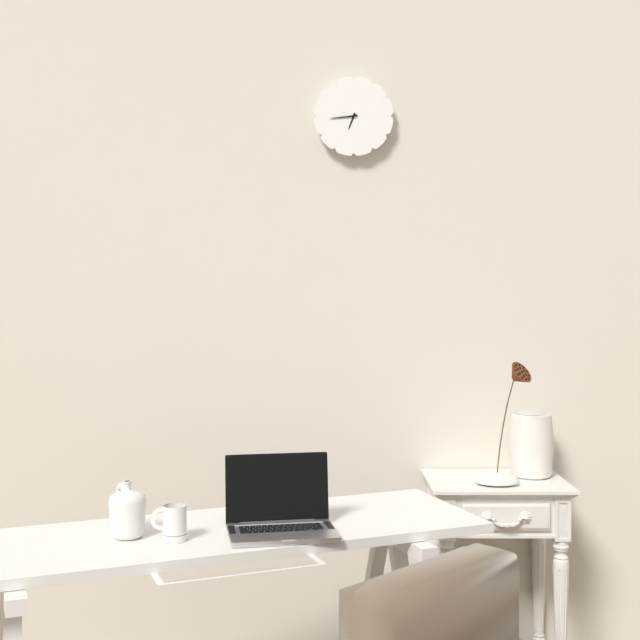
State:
6h44
